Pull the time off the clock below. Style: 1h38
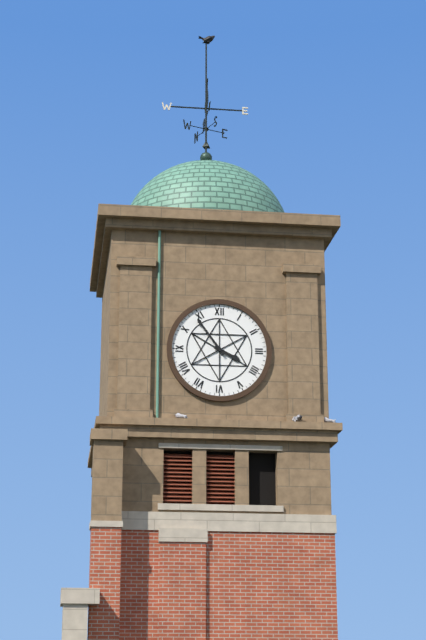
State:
3h54
